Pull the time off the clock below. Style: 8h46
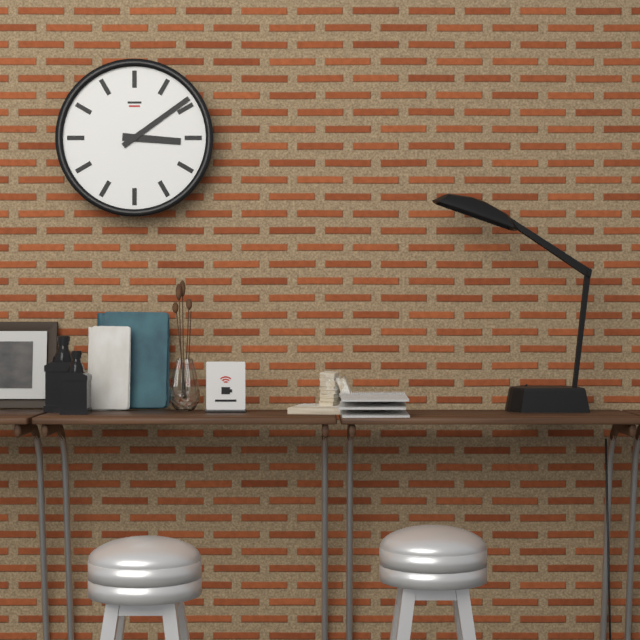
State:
3h09
